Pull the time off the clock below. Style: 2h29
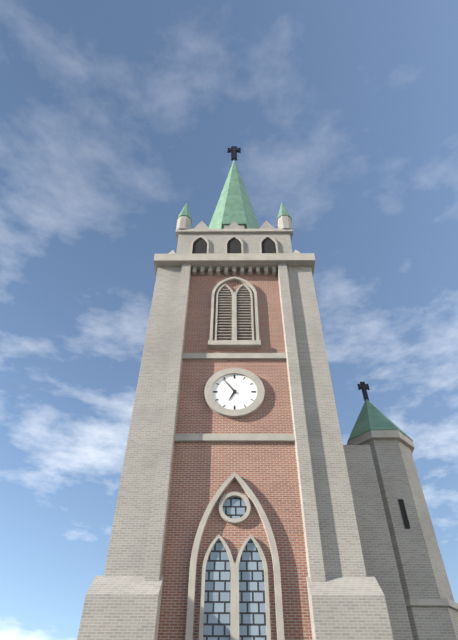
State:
6h54
